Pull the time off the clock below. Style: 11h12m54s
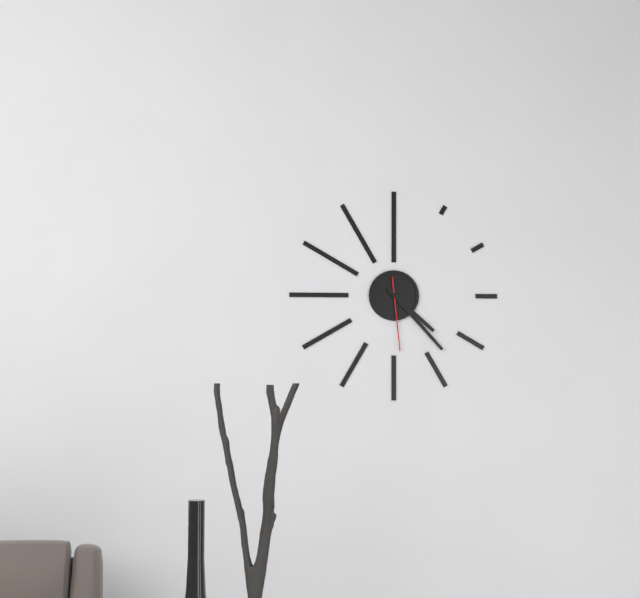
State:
4h23m29s
